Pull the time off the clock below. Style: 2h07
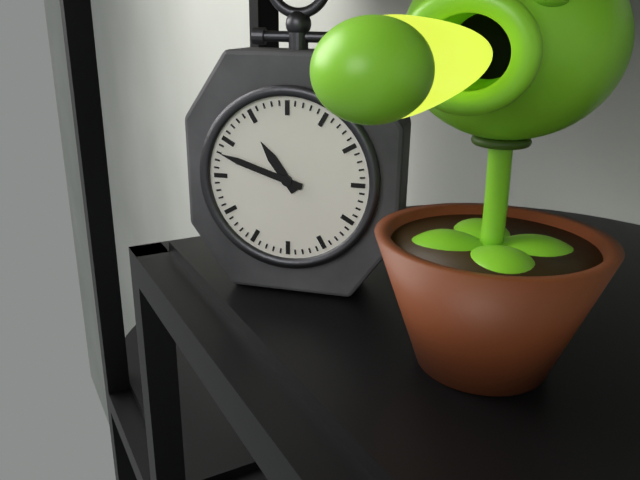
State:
10h48
